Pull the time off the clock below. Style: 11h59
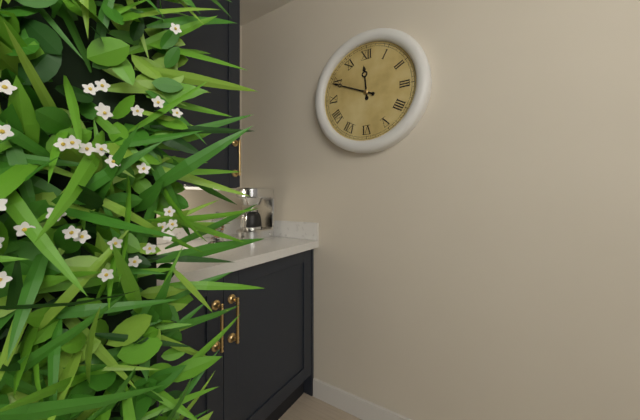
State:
11h49
